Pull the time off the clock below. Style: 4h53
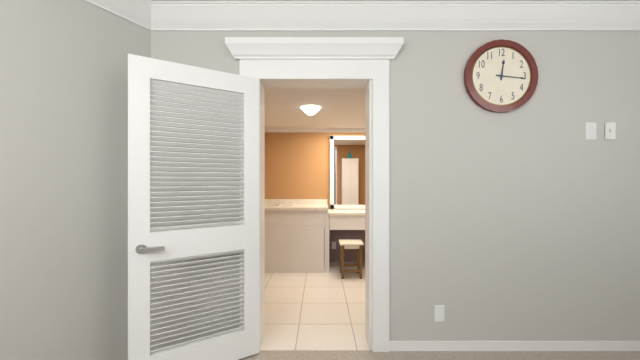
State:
12h16
